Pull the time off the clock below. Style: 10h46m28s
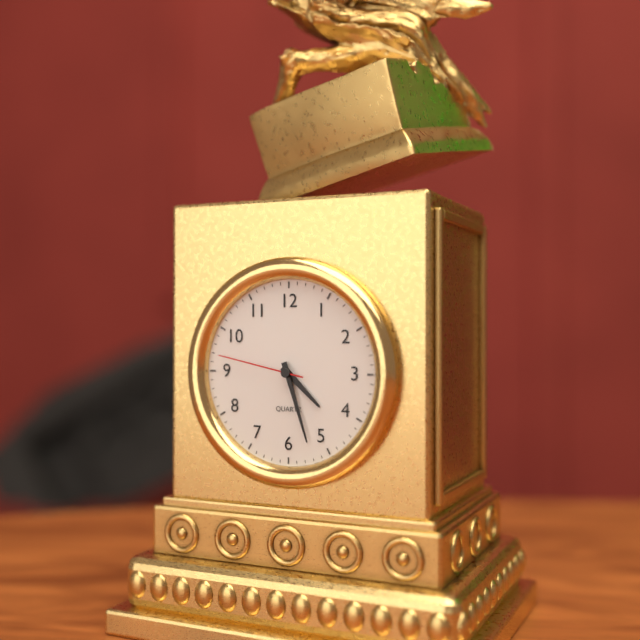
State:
4h27m47s
